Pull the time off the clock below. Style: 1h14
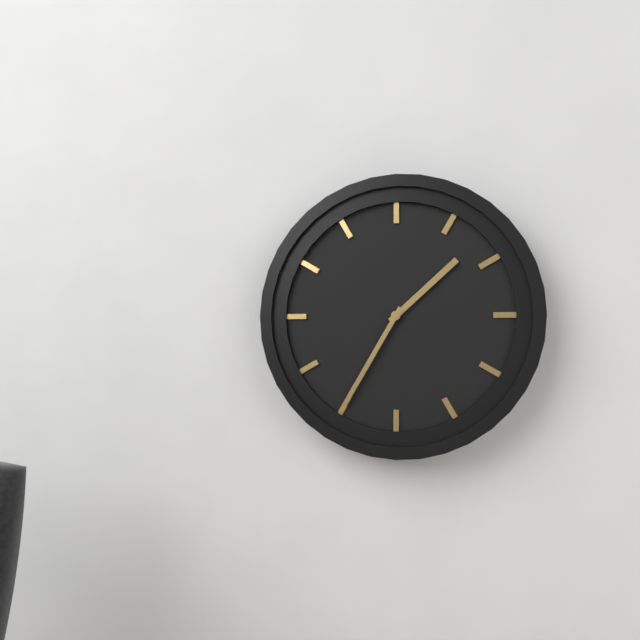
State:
1h35
